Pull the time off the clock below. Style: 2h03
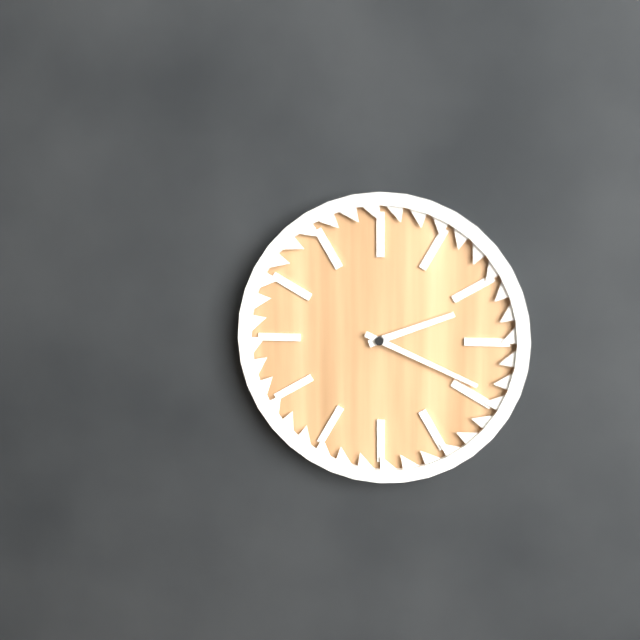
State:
2h19
